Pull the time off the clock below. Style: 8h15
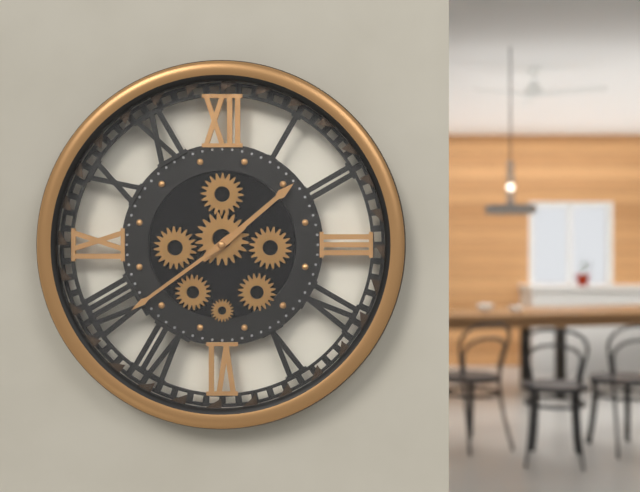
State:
1h39
